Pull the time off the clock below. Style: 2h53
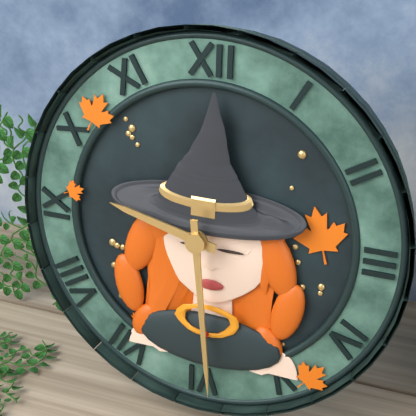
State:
9h29
